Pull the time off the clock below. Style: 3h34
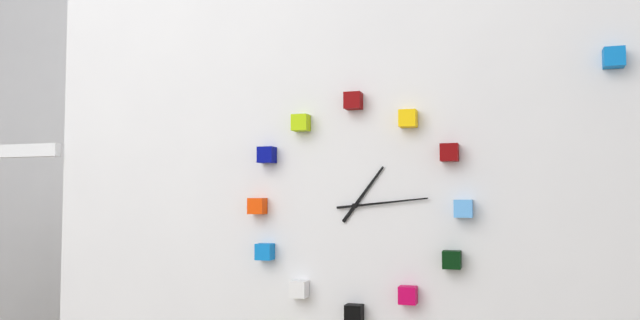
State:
1h14
